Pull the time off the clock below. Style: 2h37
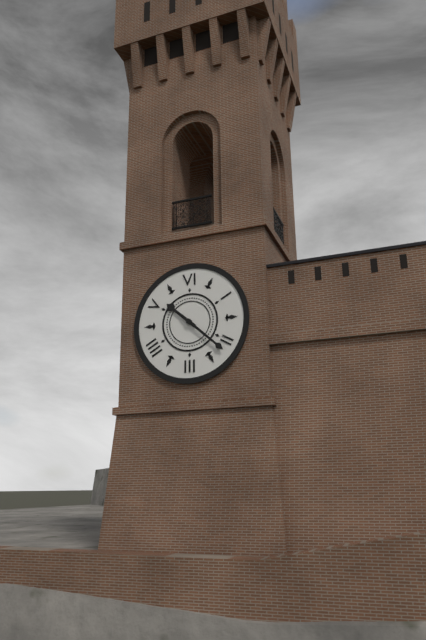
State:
10h22
